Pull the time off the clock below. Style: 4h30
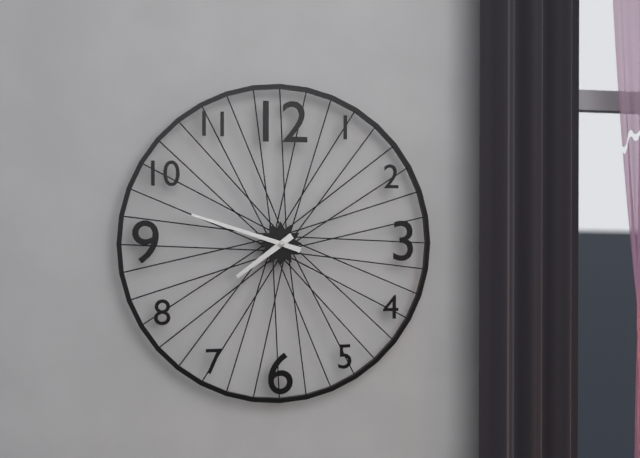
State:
7h48
